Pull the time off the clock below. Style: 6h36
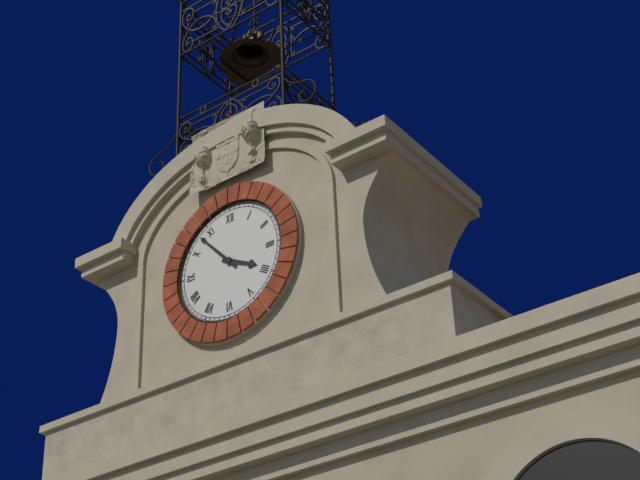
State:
3h53
